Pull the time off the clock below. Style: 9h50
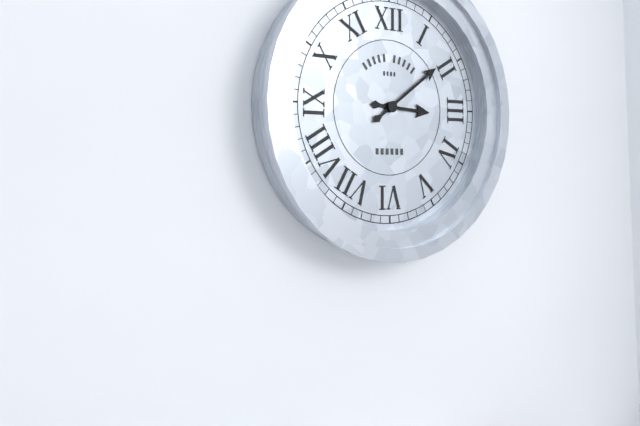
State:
3h09
